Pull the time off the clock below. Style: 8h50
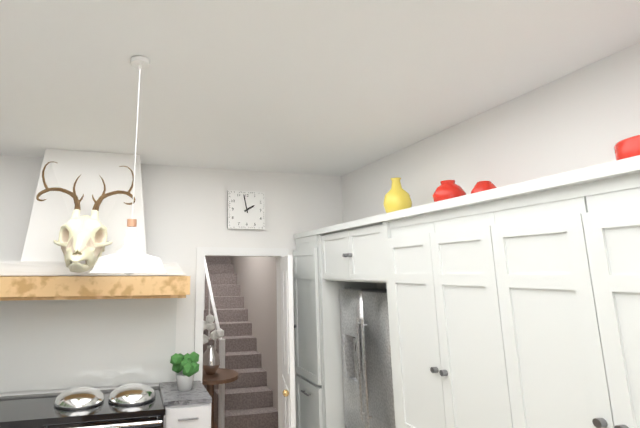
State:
1h58
